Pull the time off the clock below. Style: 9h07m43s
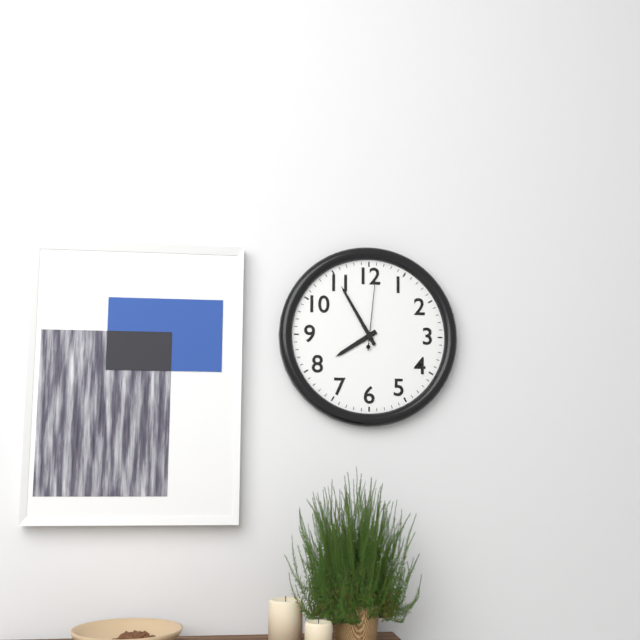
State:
7h55m01s
